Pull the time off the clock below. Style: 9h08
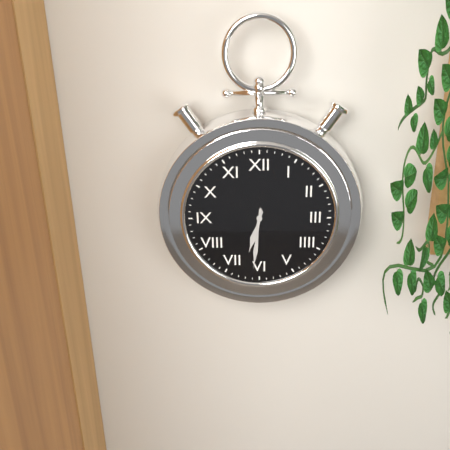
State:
6h31
